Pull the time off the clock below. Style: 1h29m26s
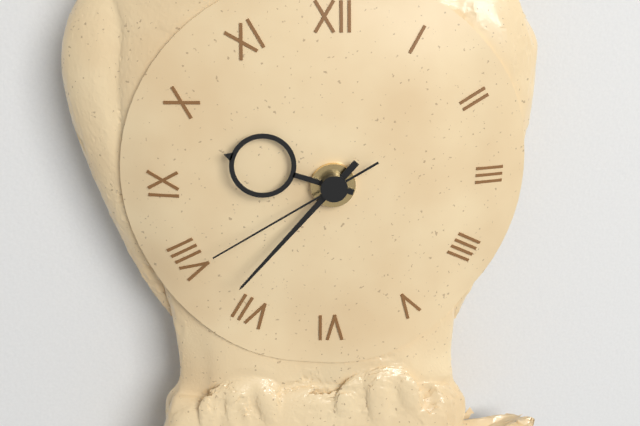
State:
9h37m40s
